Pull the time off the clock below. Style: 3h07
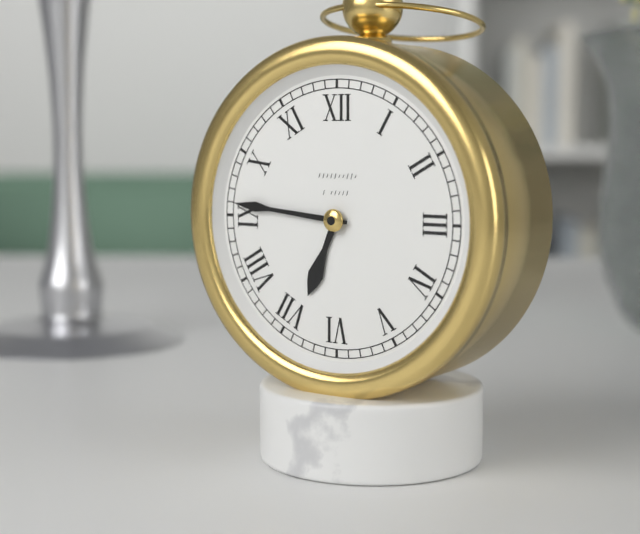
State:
6h46
